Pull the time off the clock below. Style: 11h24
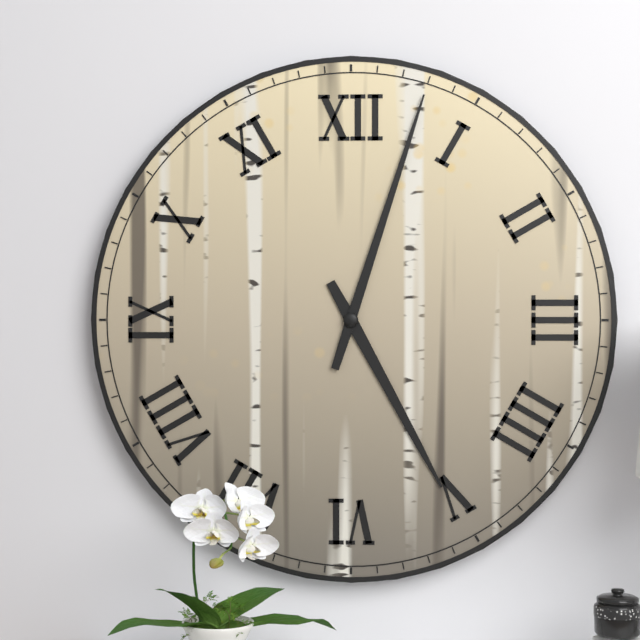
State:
5h03
